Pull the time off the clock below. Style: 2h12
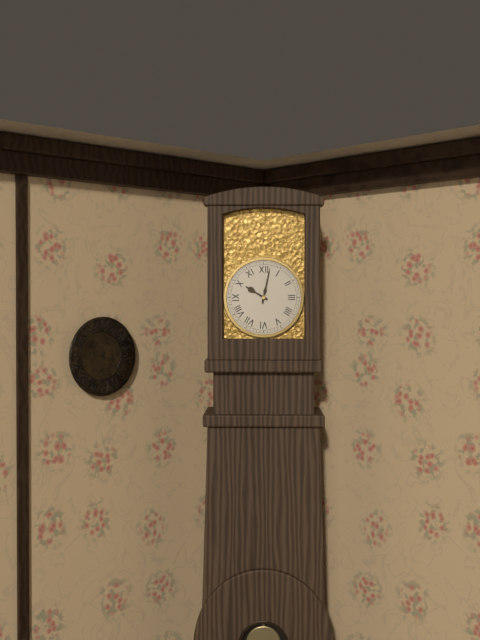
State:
10h02
